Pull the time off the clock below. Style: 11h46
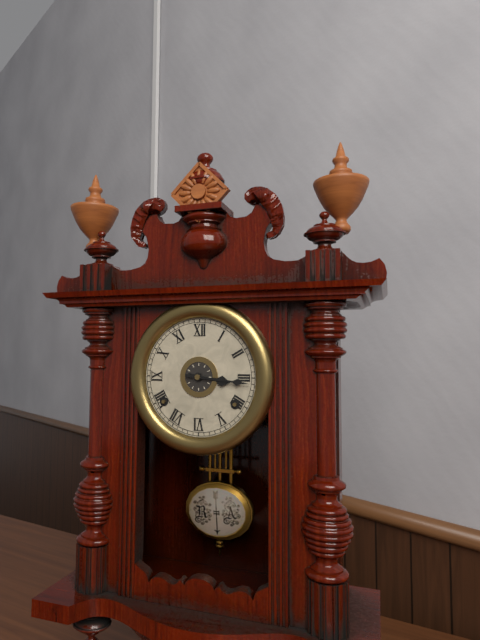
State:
3h16
